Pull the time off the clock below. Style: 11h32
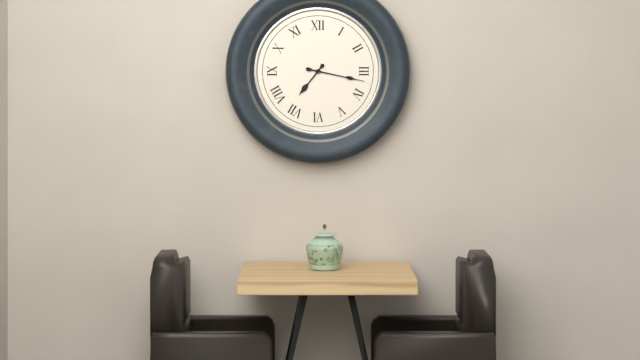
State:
7h17
